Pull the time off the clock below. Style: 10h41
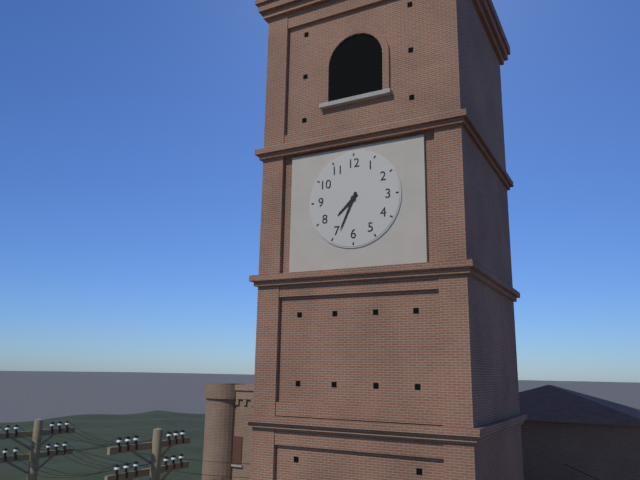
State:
7h34
